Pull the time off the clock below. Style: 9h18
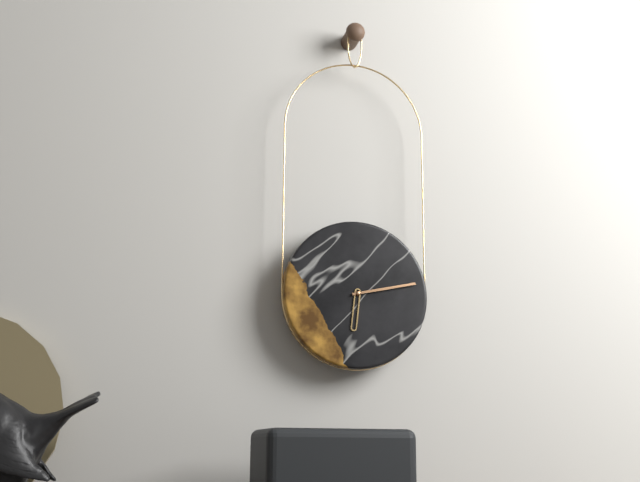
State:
6h13
